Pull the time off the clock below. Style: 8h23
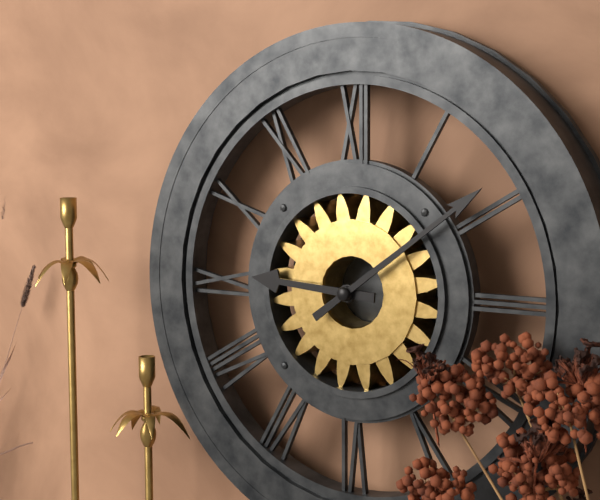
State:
9h09
